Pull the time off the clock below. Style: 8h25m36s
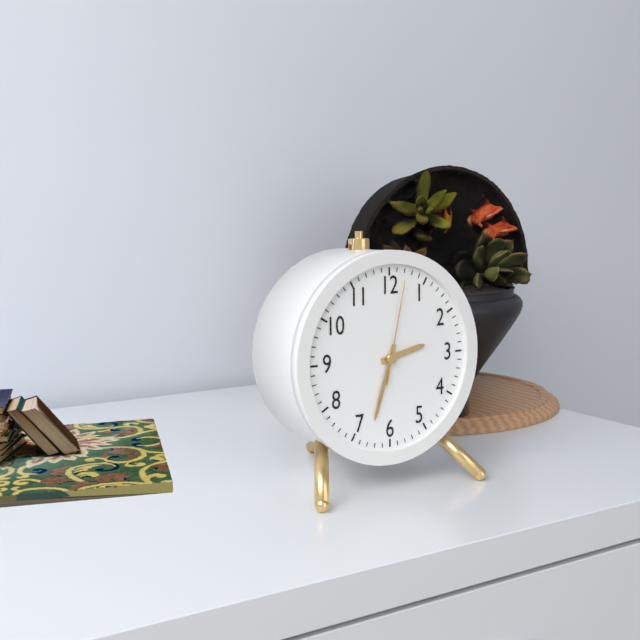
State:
2h33m02s
